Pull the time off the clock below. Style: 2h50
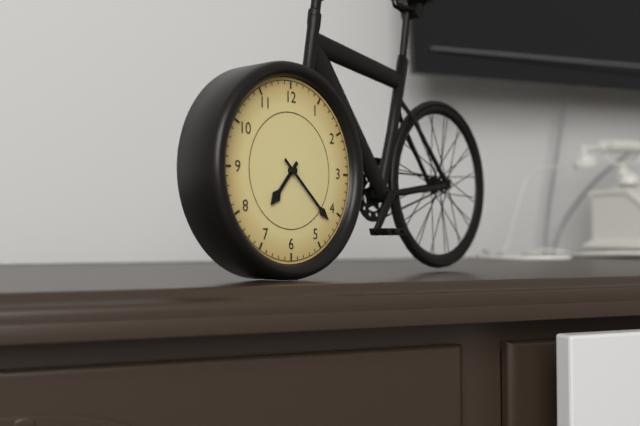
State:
7h22
